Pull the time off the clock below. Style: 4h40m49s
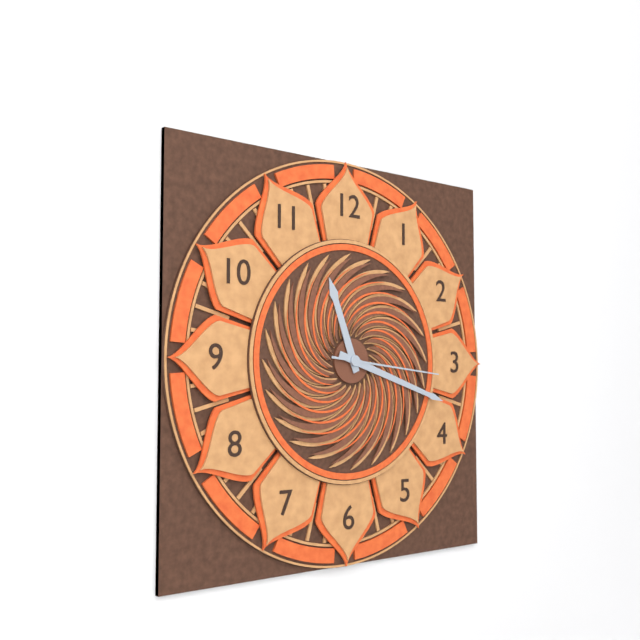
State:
11h18m16s
